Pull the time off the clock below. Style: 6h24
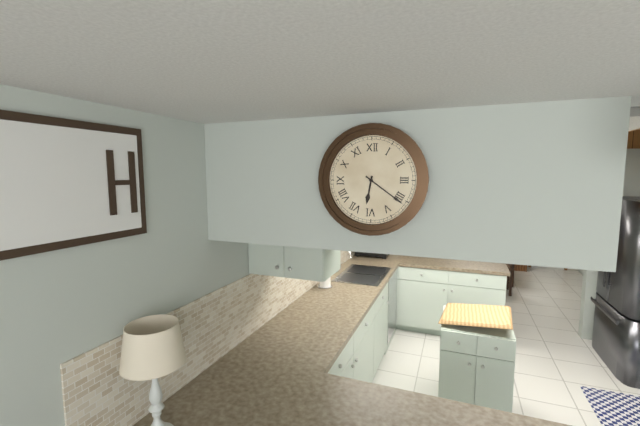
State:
6h21
